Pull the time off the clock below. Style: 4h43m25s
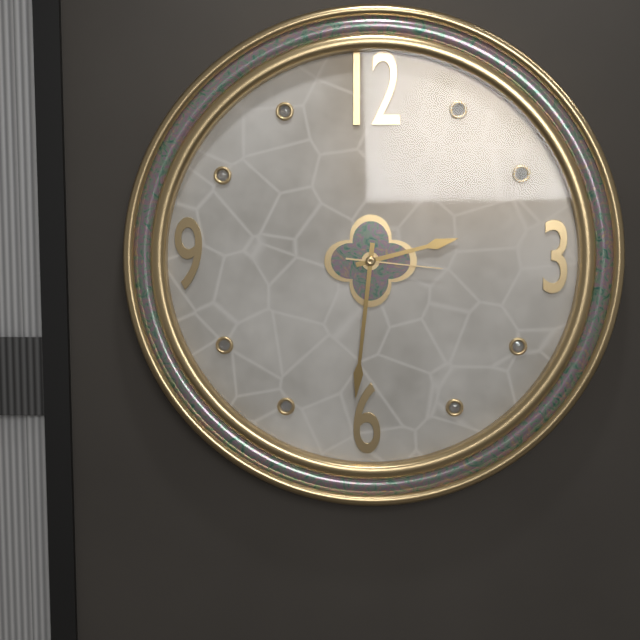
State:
2h31m16s
